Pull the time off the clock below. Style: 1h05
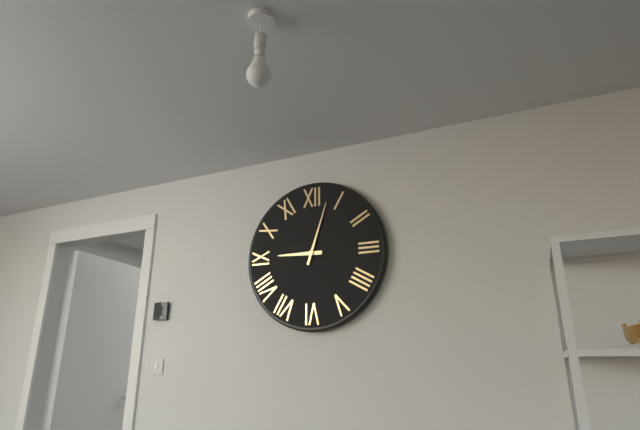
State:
9h03
